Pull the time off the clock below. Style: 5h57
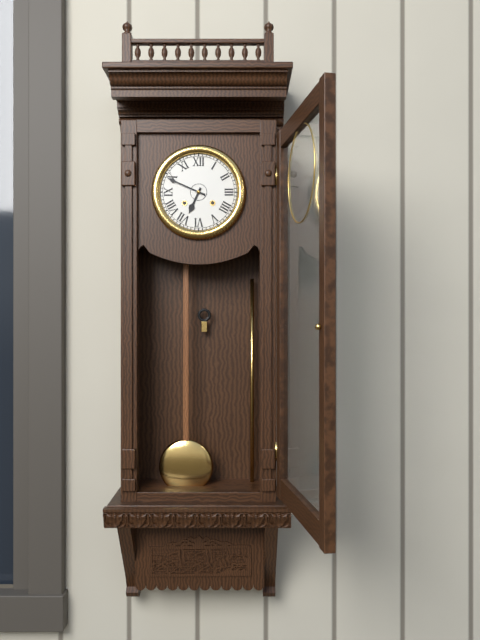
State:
6h49
